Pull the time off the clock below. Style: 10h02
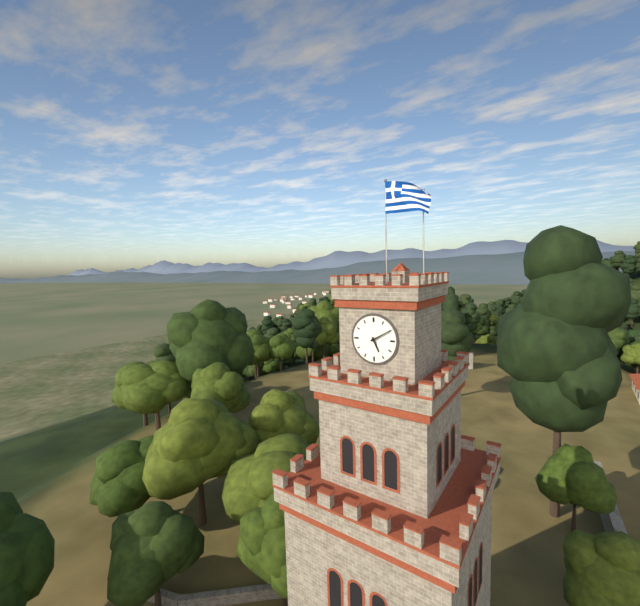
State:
5h10
